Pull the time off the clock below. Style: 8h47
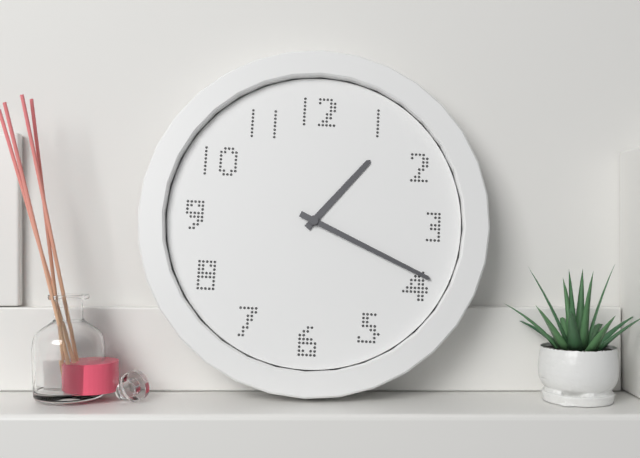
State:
1h19
